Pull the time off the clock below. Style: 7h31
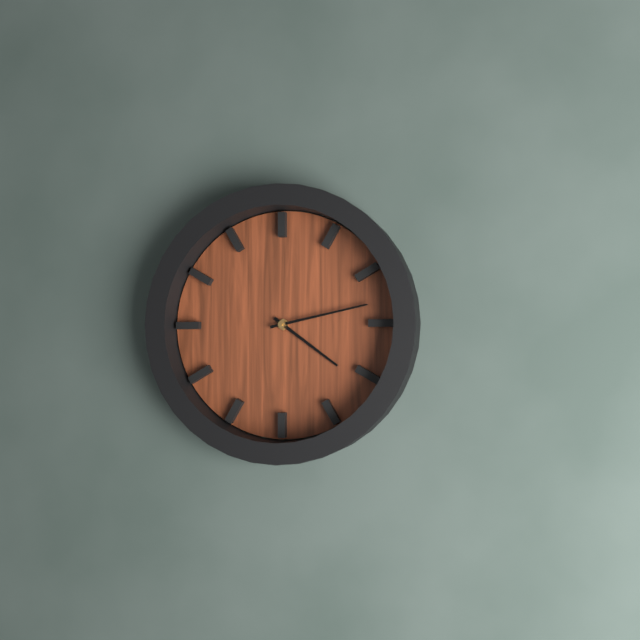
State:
4h13
